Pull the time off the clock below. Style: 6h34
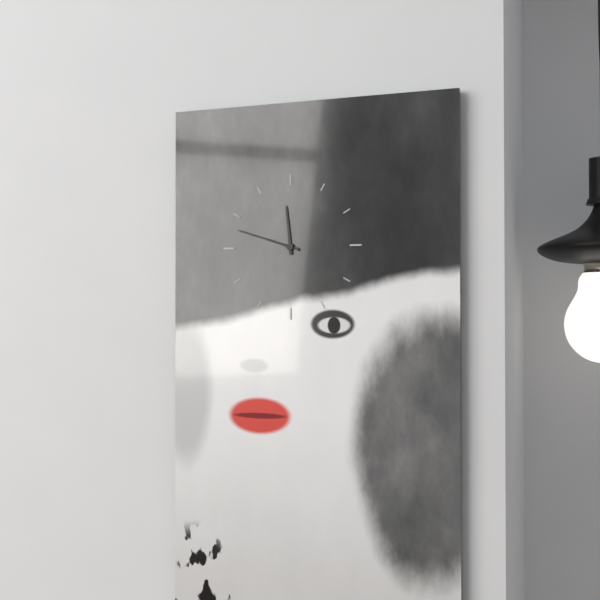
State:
11h48
